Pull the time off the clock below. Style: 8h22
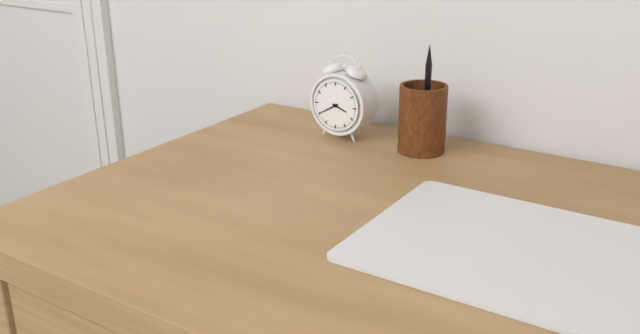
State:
3h40
